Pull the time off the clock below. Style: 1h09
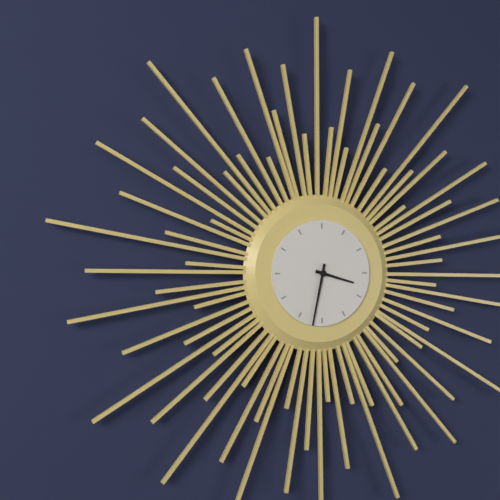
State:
3h32
